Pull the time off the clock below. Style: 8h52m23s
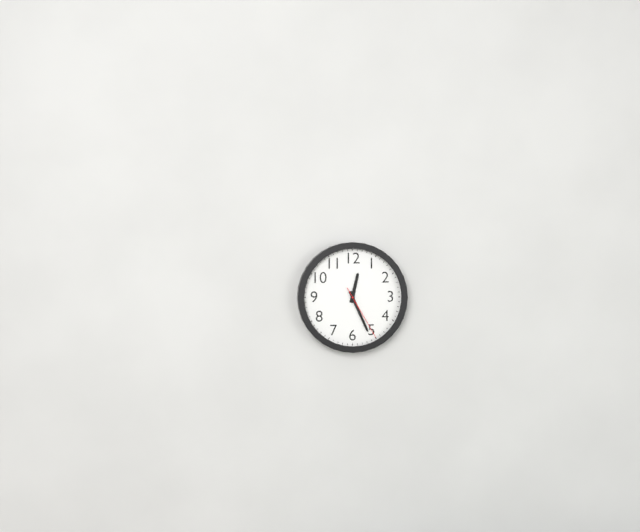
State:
12h26m25s
